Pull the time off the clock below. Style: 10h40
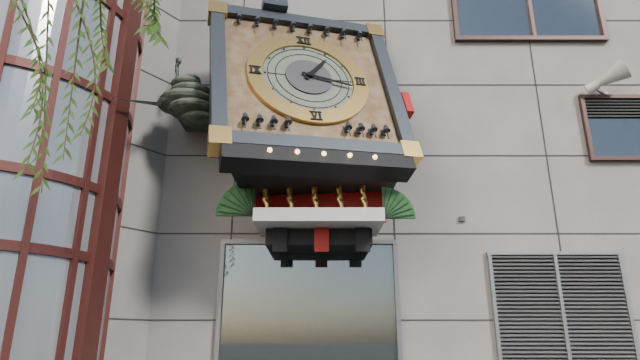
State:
1h17
